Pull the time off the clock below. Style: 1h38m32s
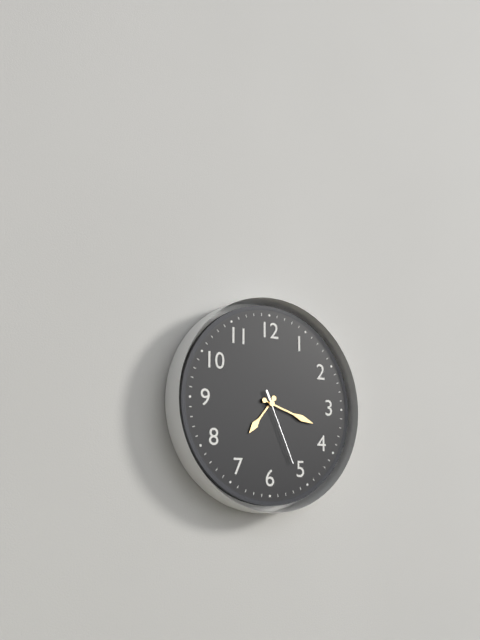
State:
7h18m26s
